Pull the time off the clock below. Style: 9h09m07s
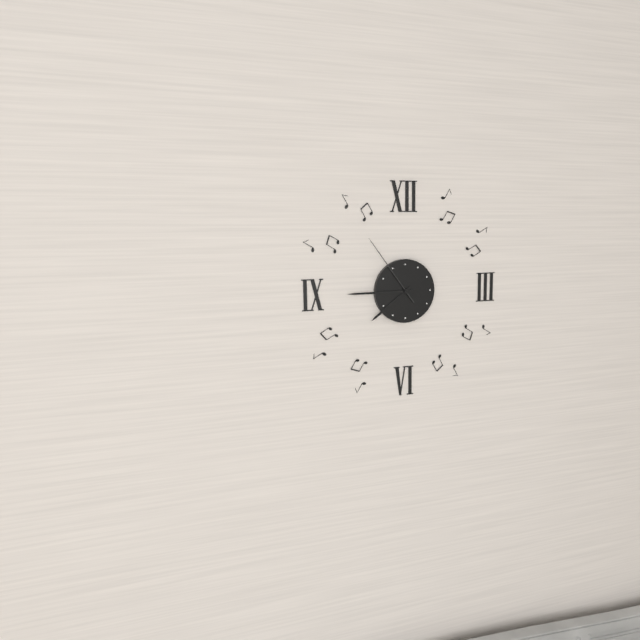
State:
7h45m54s
